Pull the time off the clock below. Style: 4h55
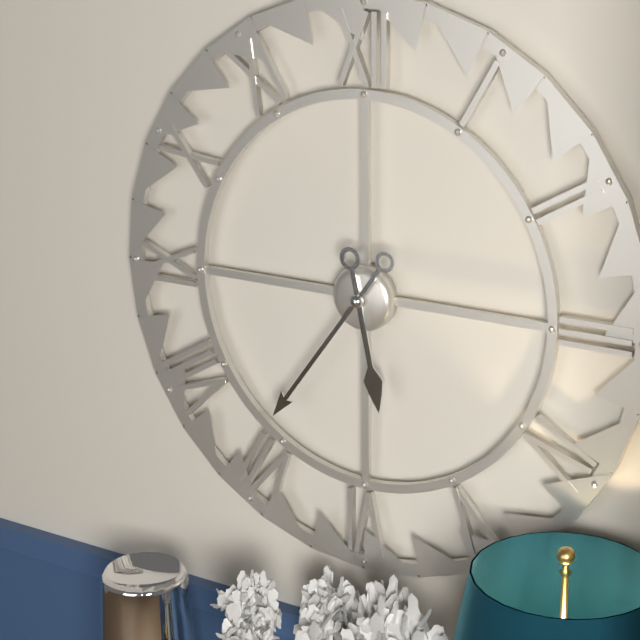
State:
5h36
